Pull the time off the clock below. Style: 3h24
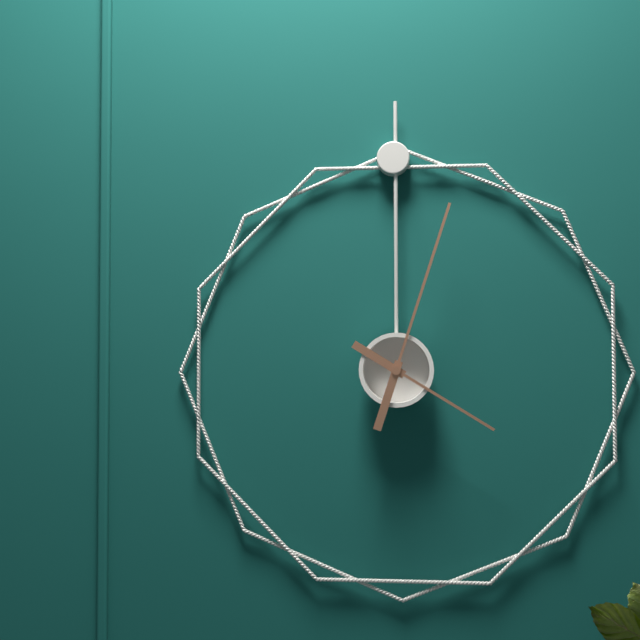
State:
4h03
